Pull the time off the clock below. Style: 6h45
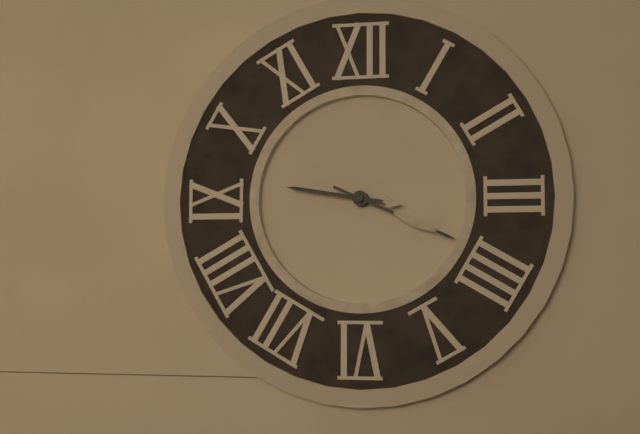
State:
9h19
